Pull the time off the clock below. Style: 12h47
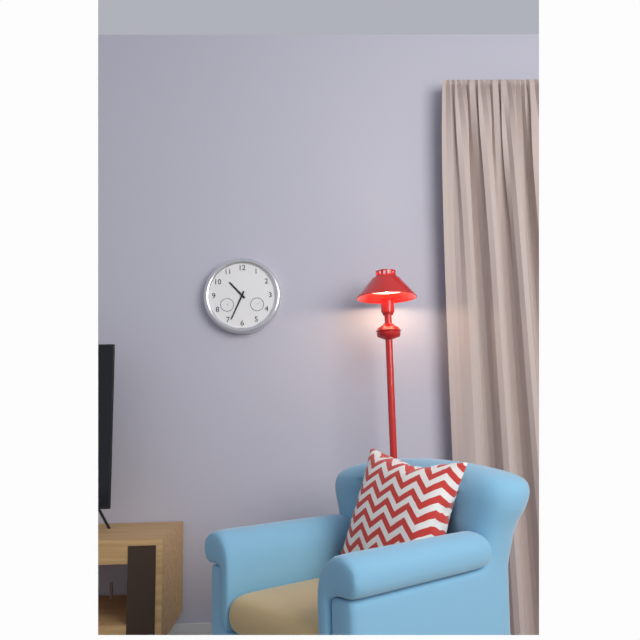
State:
10h34
